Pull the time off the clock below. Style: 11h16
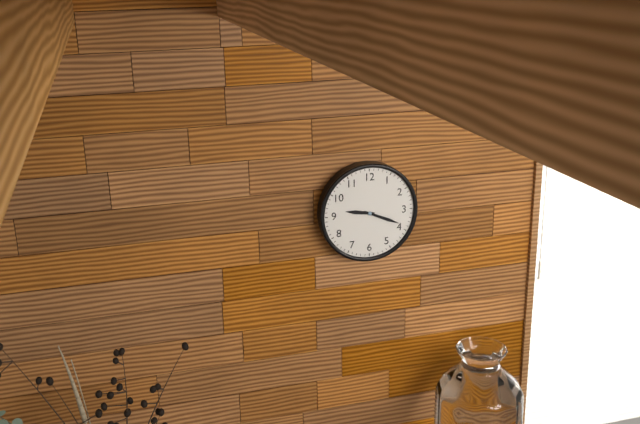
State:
9h19
